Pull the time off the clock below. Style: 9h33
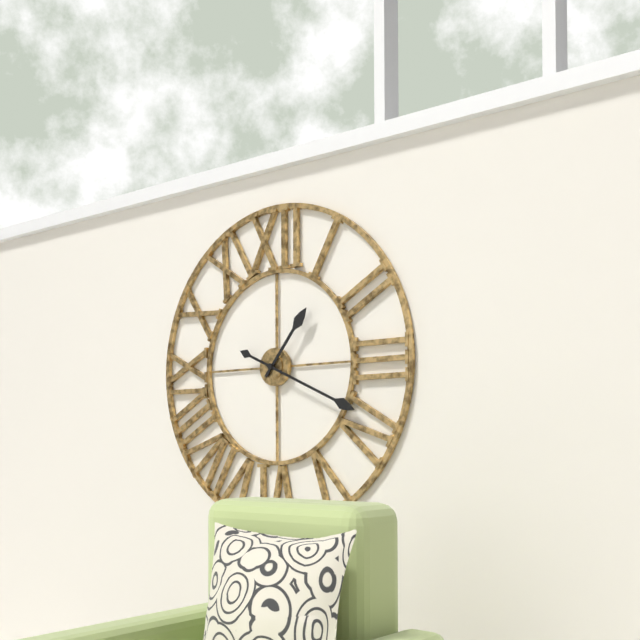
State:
1h19
